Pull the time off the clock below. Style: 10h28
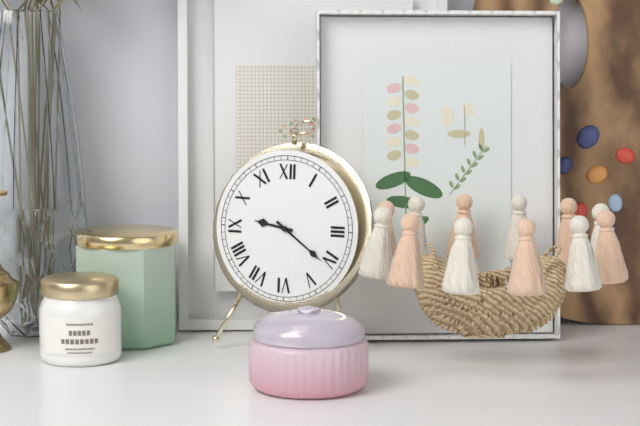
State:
9h21
